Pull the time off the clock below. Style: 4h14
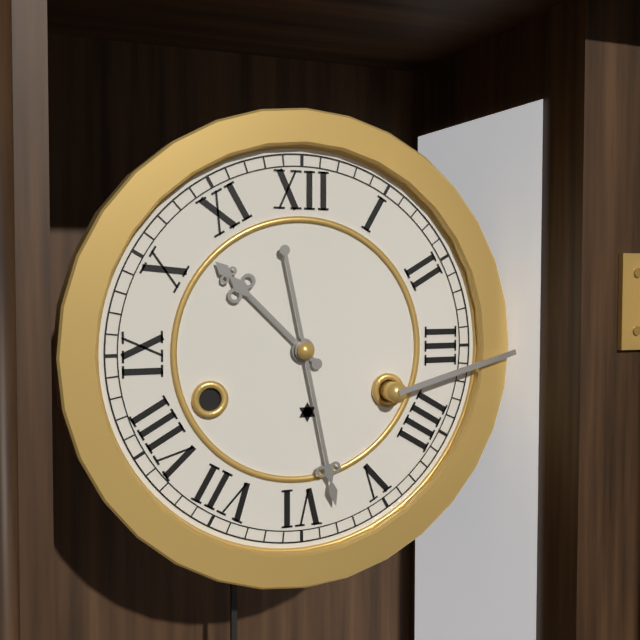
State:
10h28
